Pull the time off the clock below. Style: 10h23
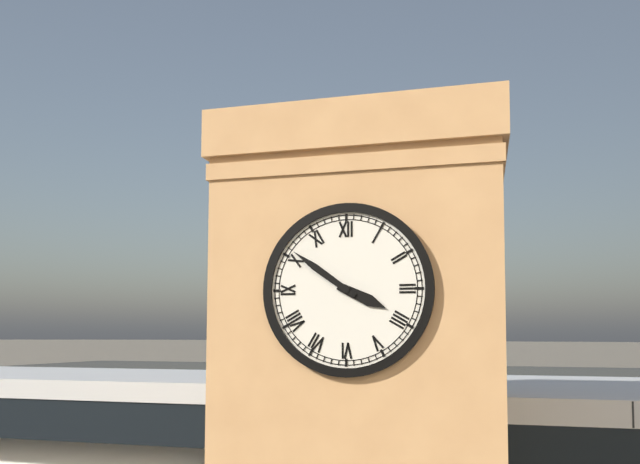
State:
3h51
